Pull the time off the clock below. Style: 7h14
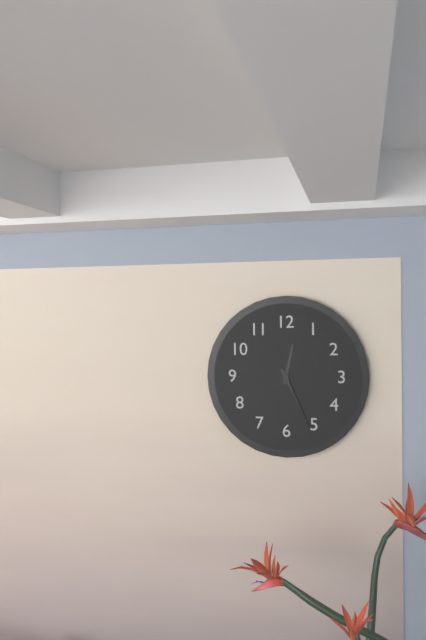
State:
12h26
